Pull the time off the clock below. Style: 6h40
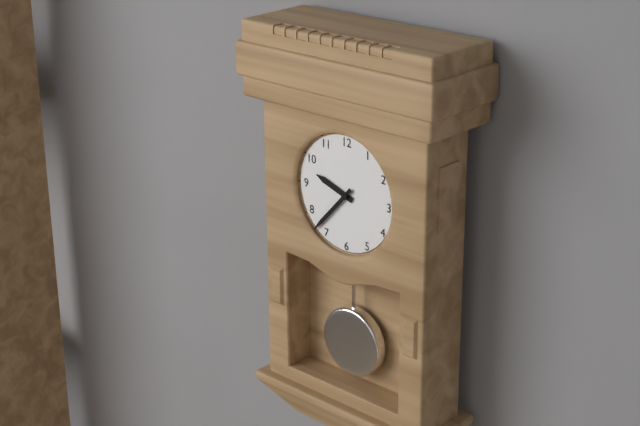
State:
9h37
